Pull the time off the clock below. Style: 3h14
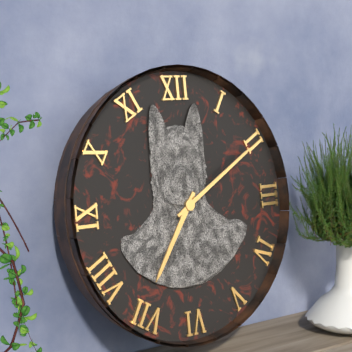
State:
7h10
